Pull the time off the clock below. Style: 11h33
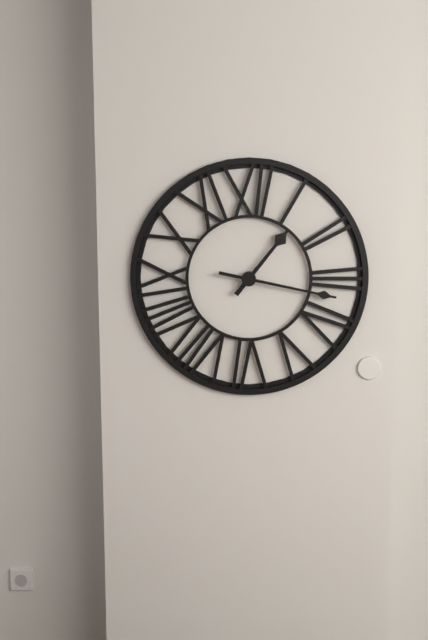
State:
1h17
